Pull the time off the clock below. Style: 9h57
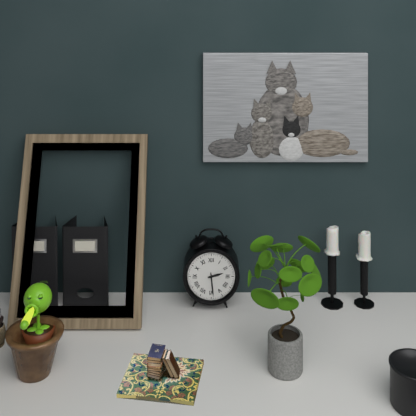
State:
2h29
